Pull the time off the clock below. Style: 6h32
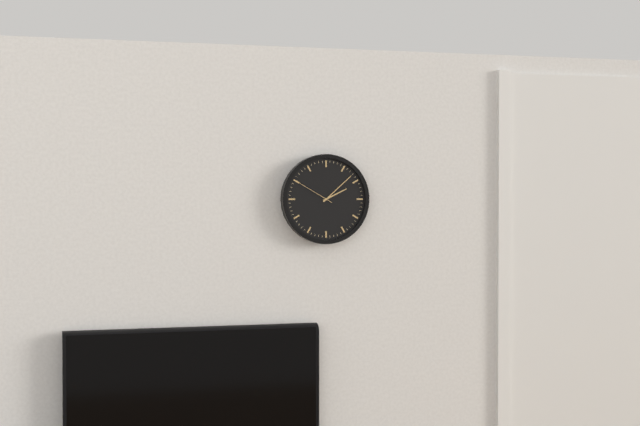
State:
2h08
